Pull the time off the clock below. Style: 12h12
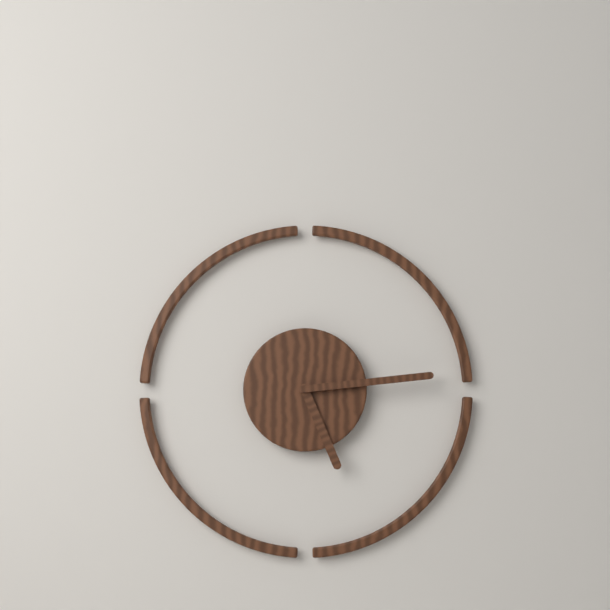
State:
5h14
